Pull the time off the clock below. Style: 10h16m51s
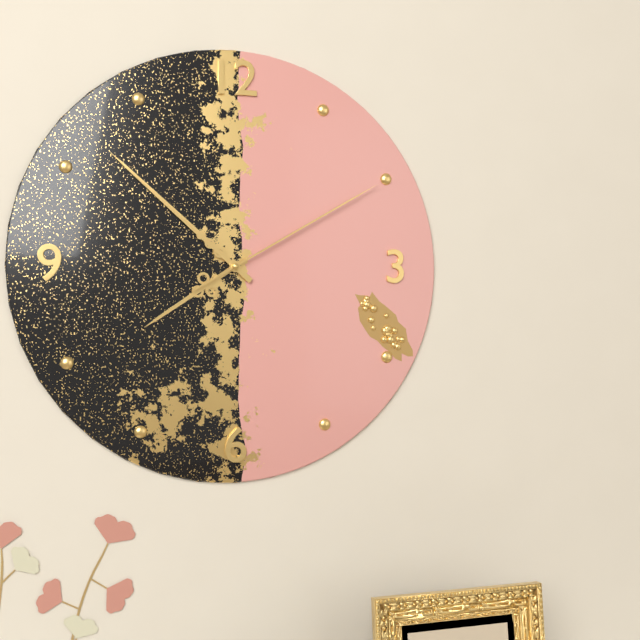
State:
7h52m10s
